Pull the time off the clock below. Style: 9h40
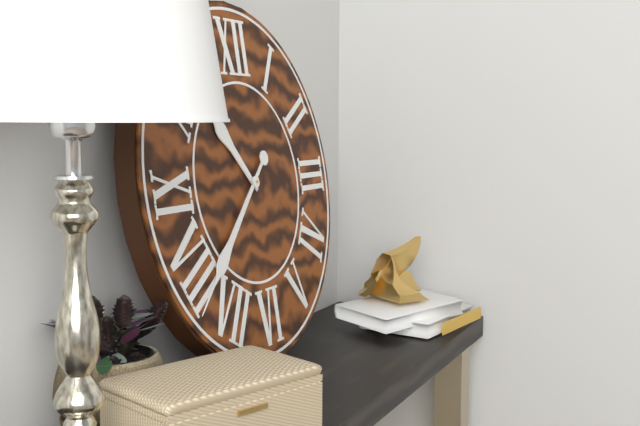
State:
10h38
